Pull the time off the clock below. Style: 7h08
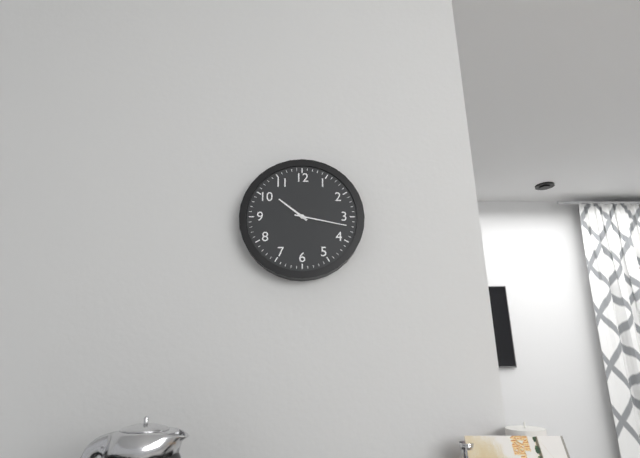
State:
10h17
